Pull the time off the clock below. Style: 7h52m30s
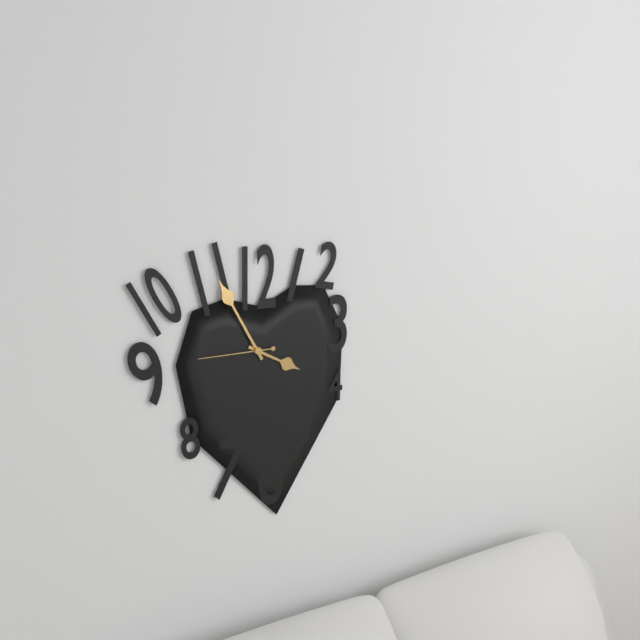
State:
3h55m45s
